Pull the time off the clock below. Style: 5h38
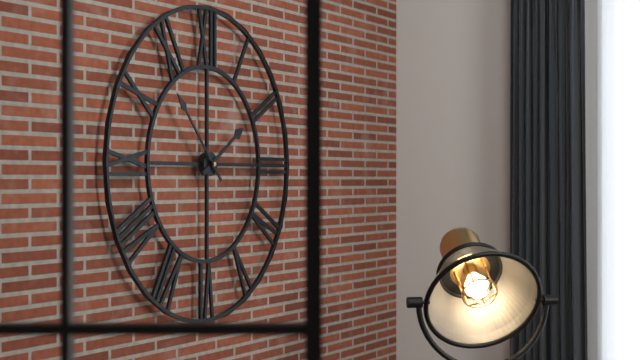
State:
1h53
